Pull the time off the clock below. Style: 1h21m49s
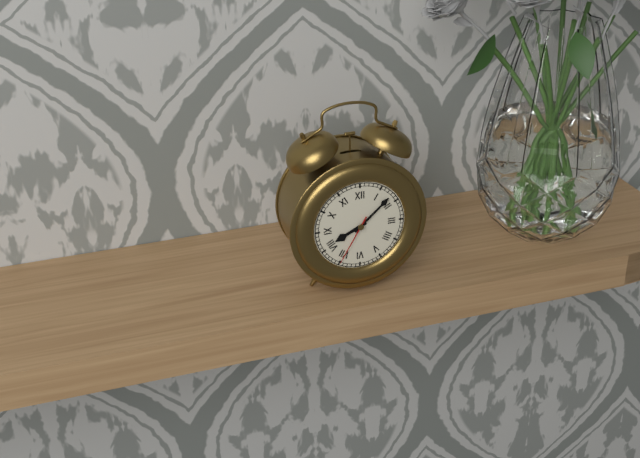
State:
8h08m35s
